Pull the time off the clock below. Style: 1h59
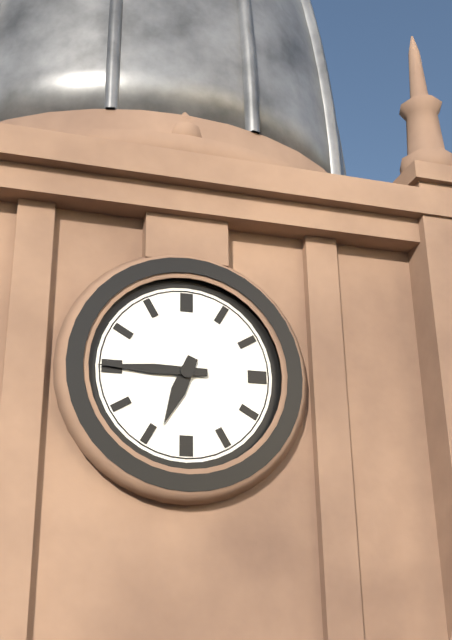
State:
6h45
